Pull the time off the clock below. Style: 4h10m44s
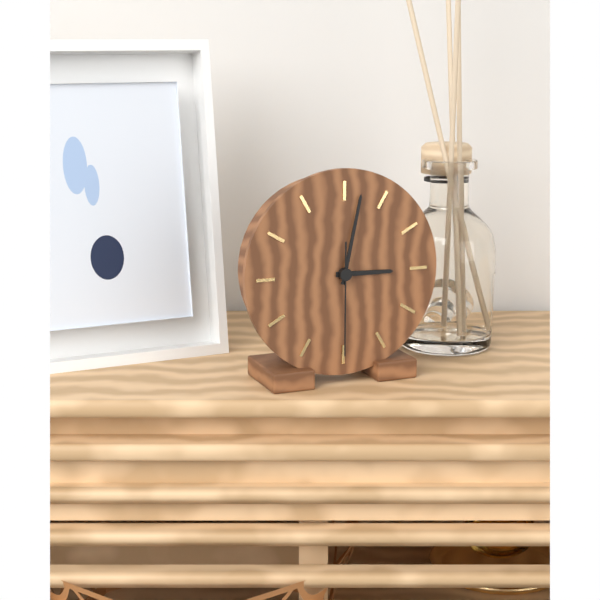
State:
3h02m30s
